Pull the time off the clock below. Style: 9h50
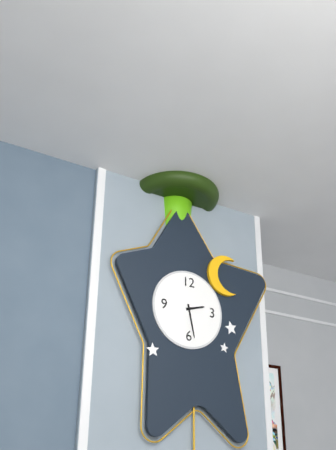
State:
2h28
